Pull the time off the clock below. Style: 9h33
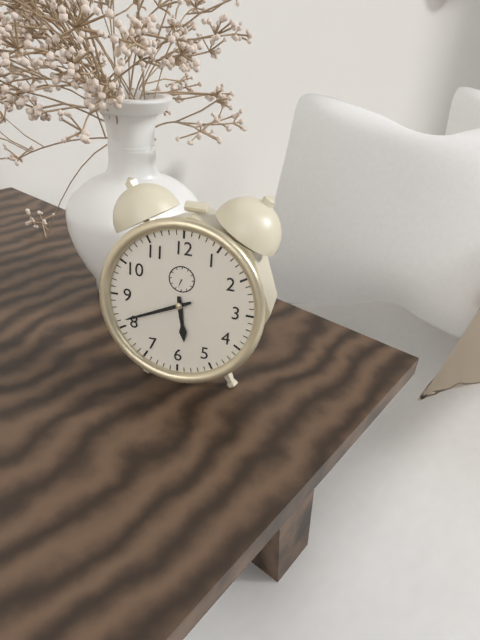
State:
5h41
